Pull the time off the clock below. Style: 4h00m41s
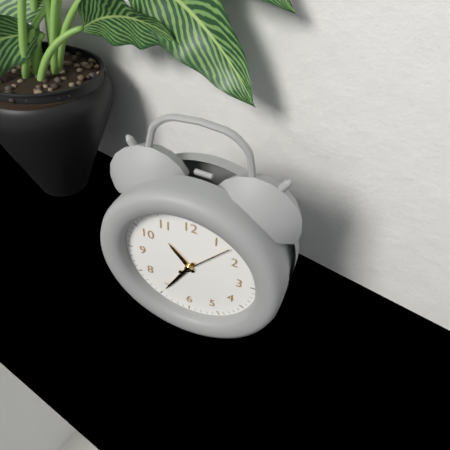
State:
10h35m07s
